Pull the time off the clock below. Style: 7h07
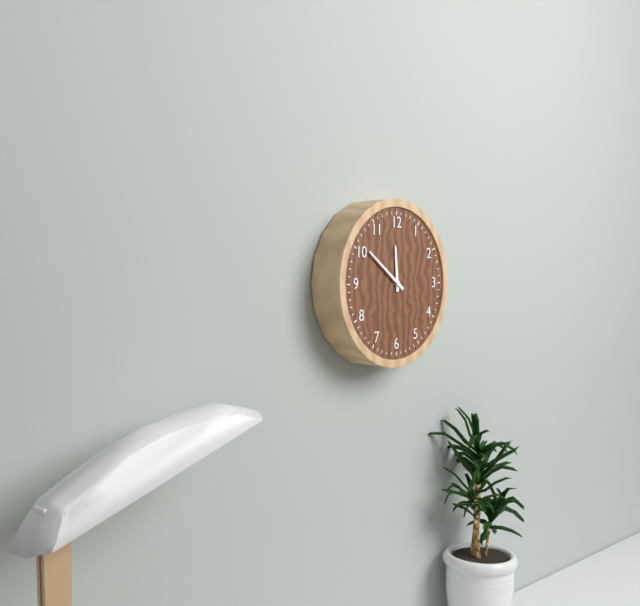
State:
11h51
